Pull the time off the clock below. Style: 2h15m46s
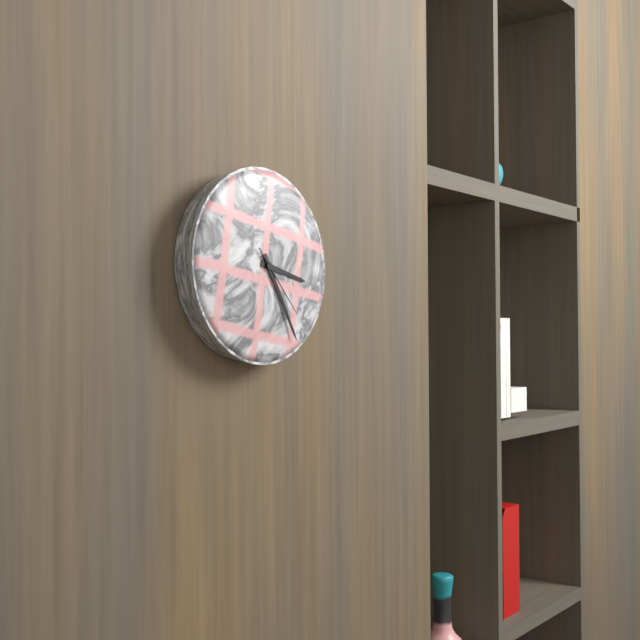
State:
3h25m23s
